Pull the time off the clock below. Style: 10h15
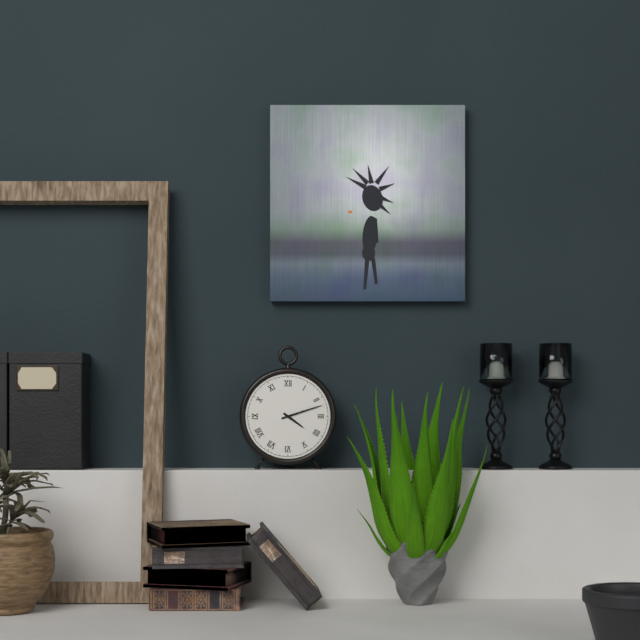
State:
4h12
